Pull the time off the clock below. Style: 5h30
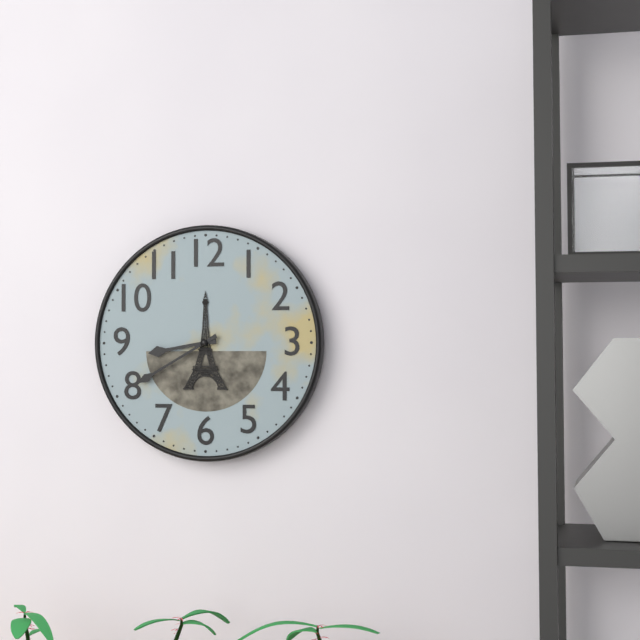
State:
8h40
